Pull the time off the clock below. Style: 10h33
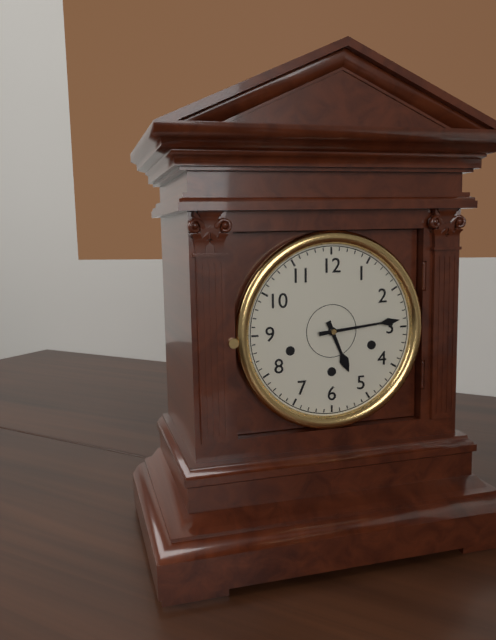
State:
5h14
